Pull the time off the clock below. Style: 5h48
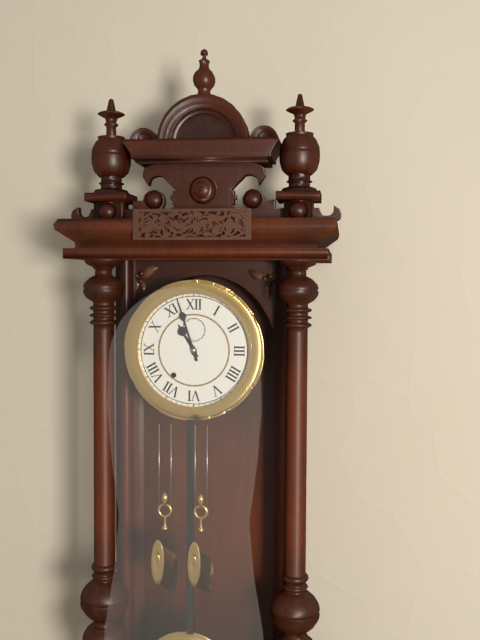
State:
10h57
